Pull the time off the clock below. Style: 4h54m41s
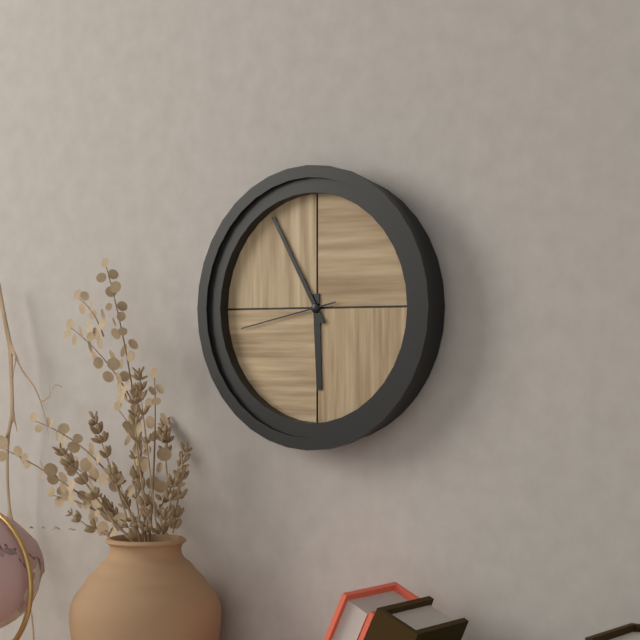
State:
5h55m43s
